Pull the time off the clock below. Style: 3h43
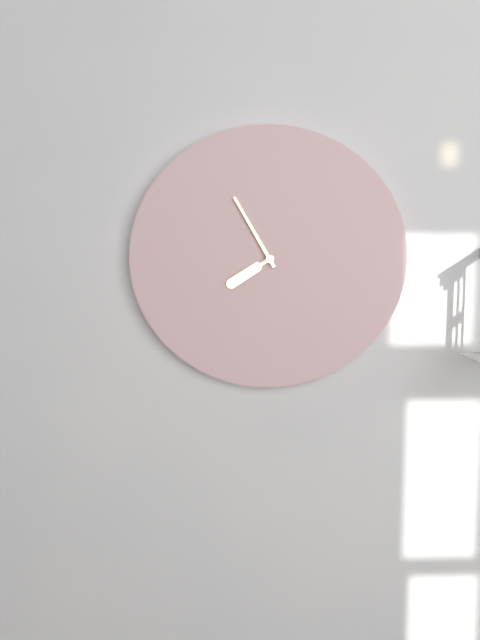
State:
7h55
